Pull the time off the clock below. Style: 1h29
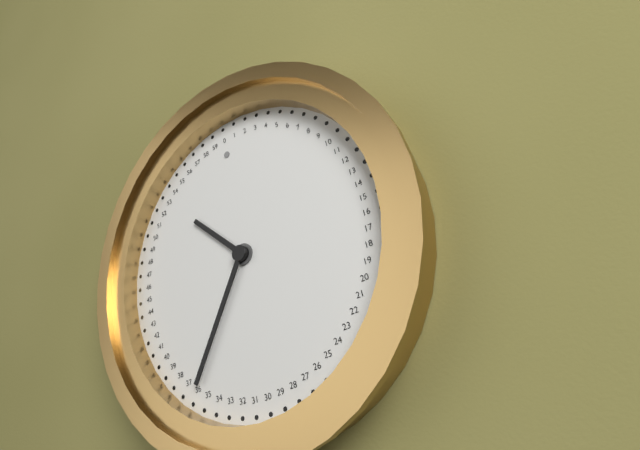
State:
10h36
